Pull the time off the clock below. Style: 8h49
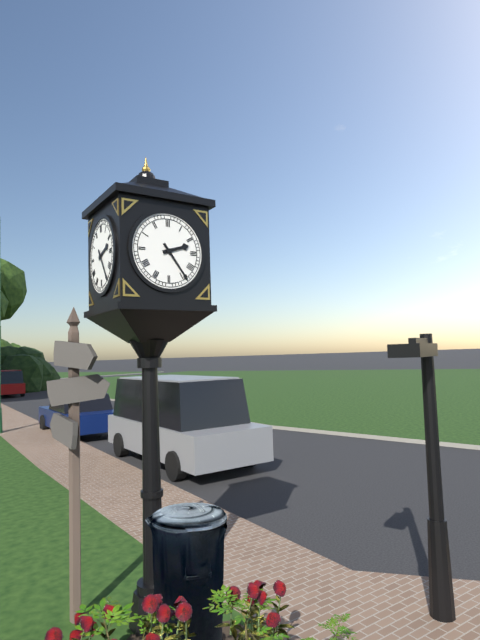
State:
2h24
